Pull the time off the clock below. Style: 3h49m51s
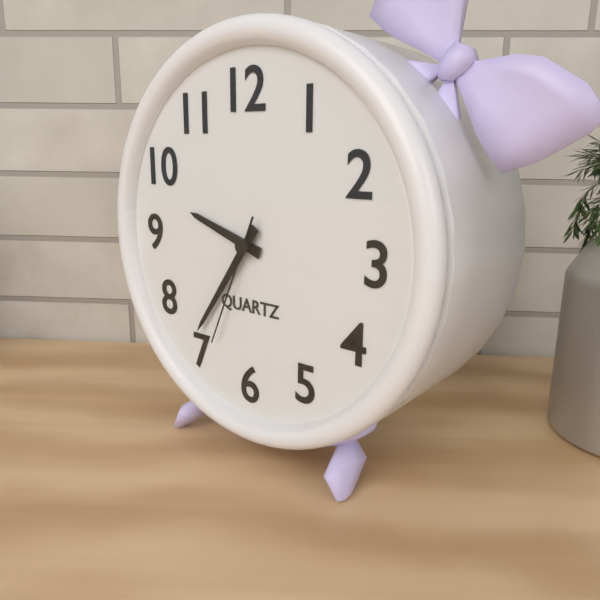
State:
9h36m34s
